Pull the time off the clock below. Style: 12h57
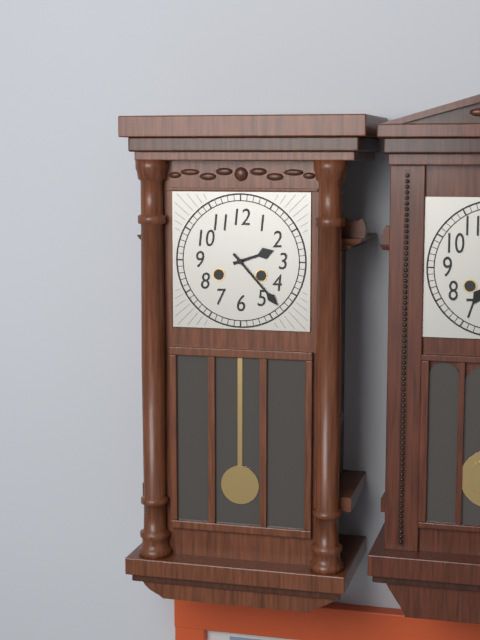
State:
2h23
